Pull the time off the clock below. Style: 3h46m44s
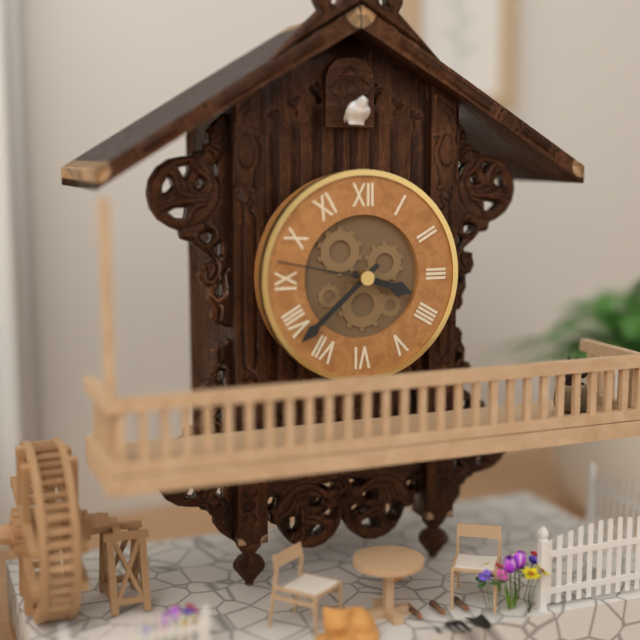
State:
3h38m47s
